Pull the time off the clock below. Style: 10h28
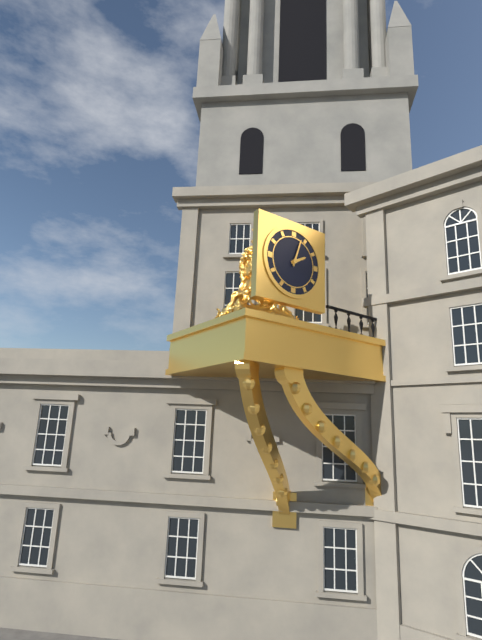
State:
2h03
